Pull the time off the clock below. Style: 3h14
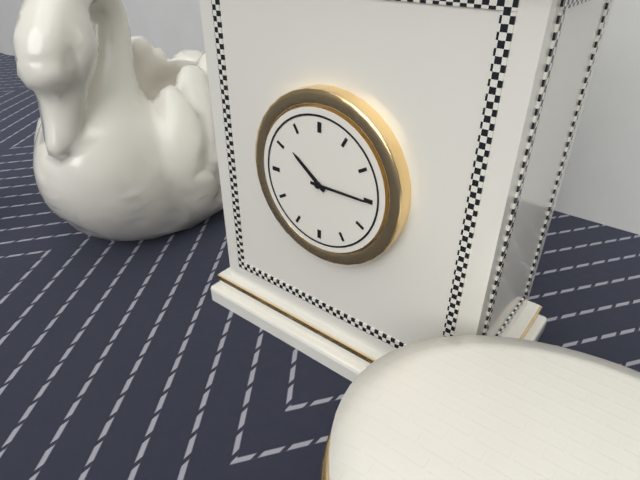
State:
10h15
